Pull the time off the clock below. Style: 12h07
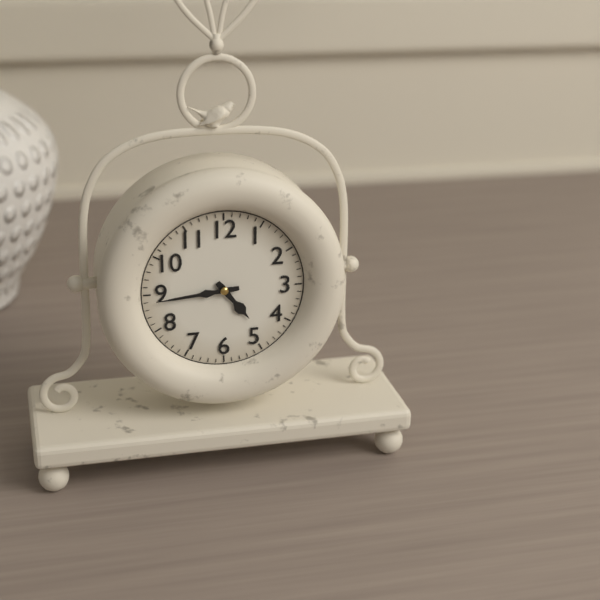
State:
4h44
